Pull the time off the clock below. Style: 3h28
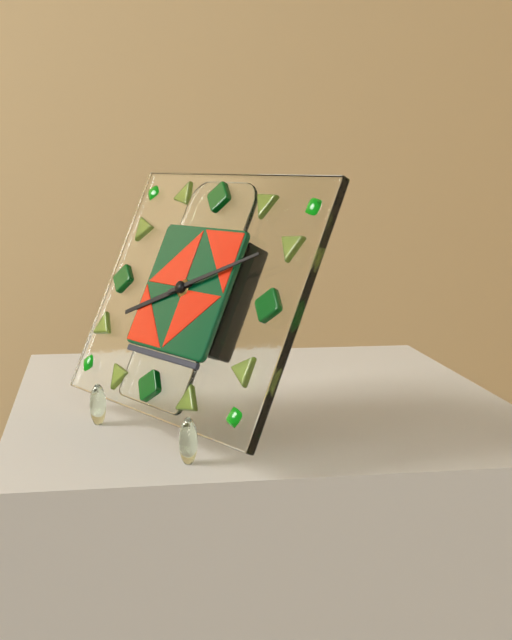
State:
8h11
